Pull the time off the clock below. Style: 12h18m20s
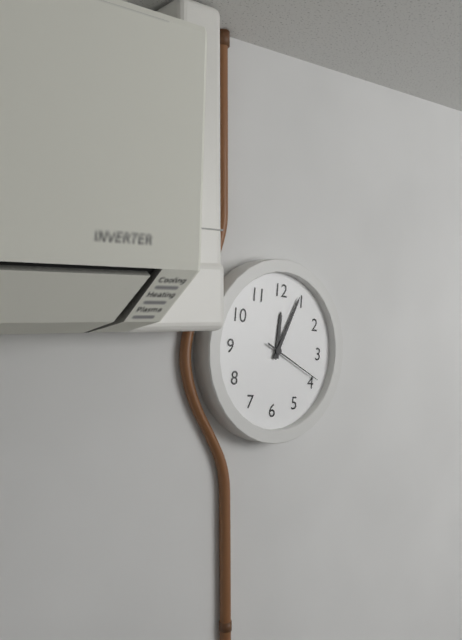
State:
12h04m19s
